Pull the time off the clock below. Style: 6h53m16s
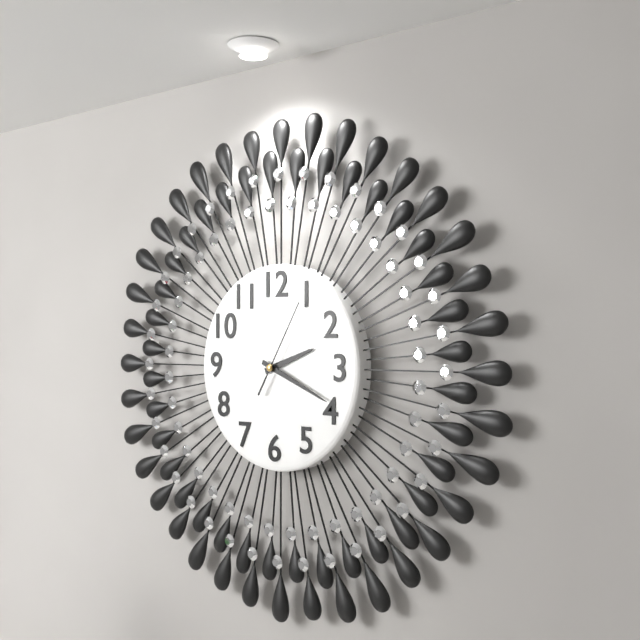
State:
2h19m05s
